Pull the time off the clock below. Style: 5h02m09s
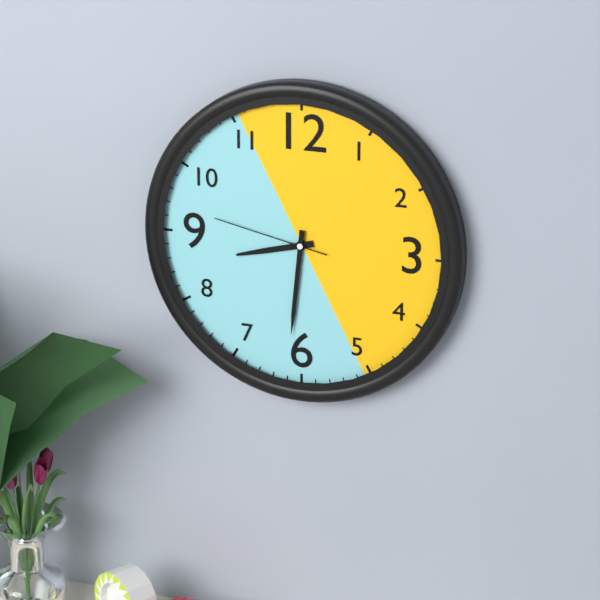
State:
8h31m47s
